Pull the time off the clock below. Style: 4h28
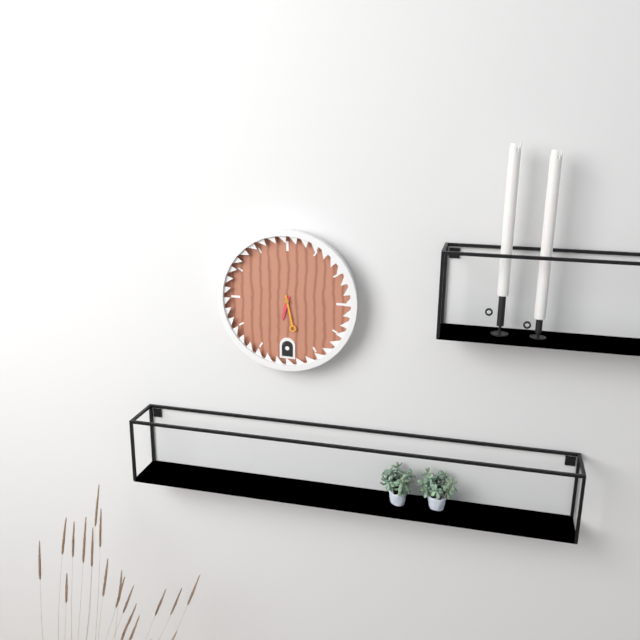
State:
6h28
